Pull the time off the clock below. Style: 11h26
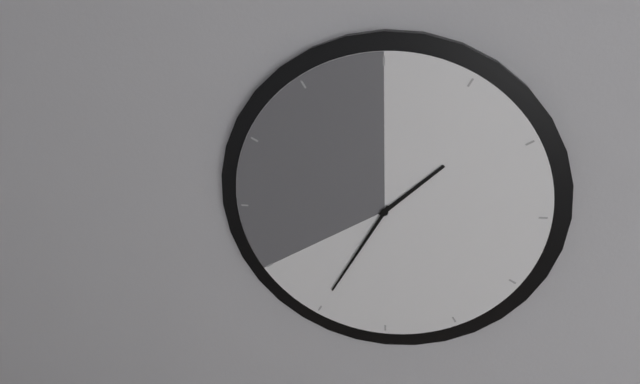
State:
1h35
